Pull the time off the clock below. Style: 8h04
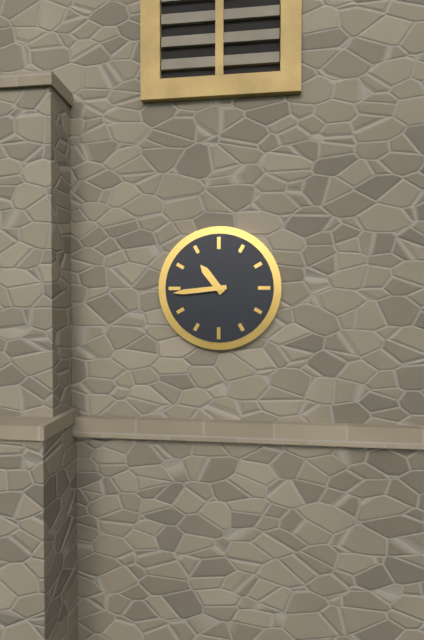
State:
10h44
